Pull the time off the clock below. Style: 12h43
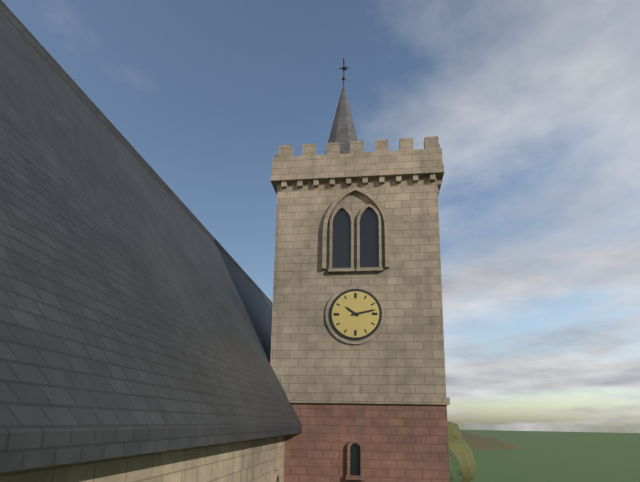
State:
10h13
